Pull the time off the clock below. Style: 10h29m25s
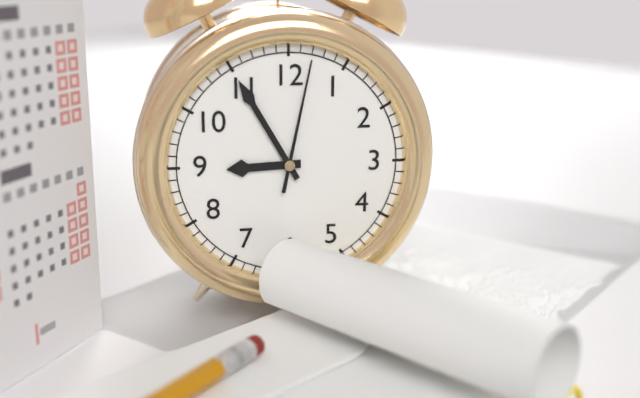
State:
8h55m02s
